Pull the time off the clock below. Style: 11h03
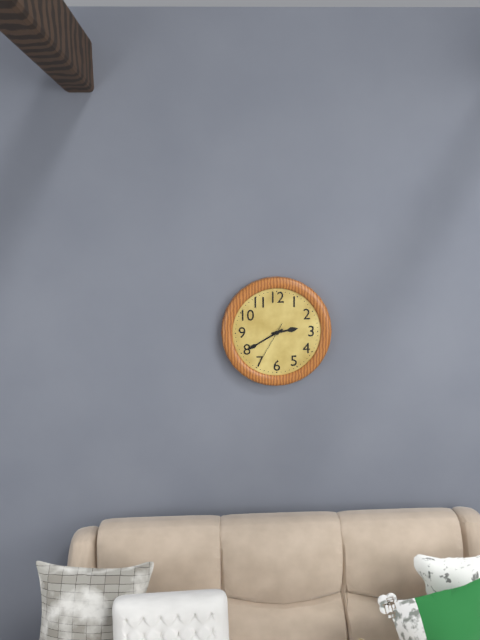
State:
2h40
